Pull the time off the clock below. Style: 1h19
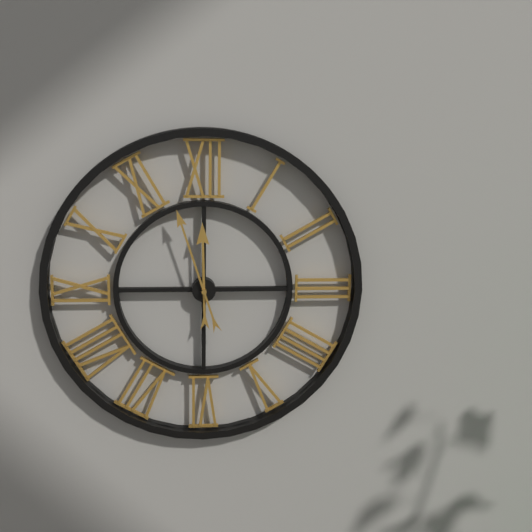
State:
11h57
